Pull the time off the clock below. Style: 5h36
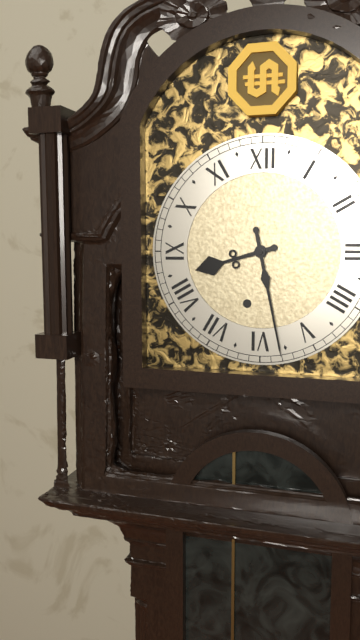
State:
8h28
